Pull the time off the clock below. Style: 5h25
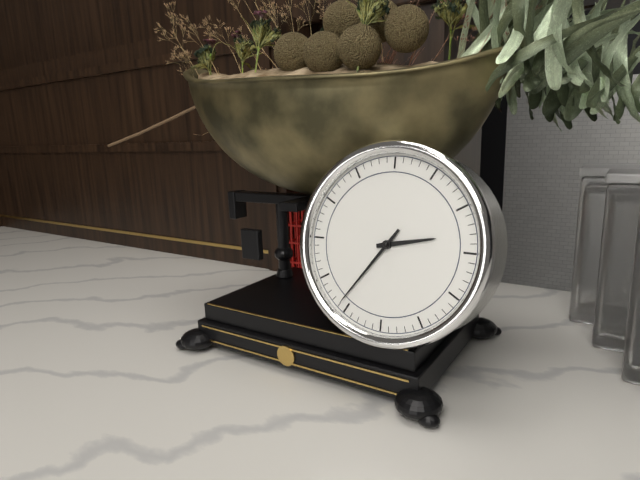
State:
2h36
